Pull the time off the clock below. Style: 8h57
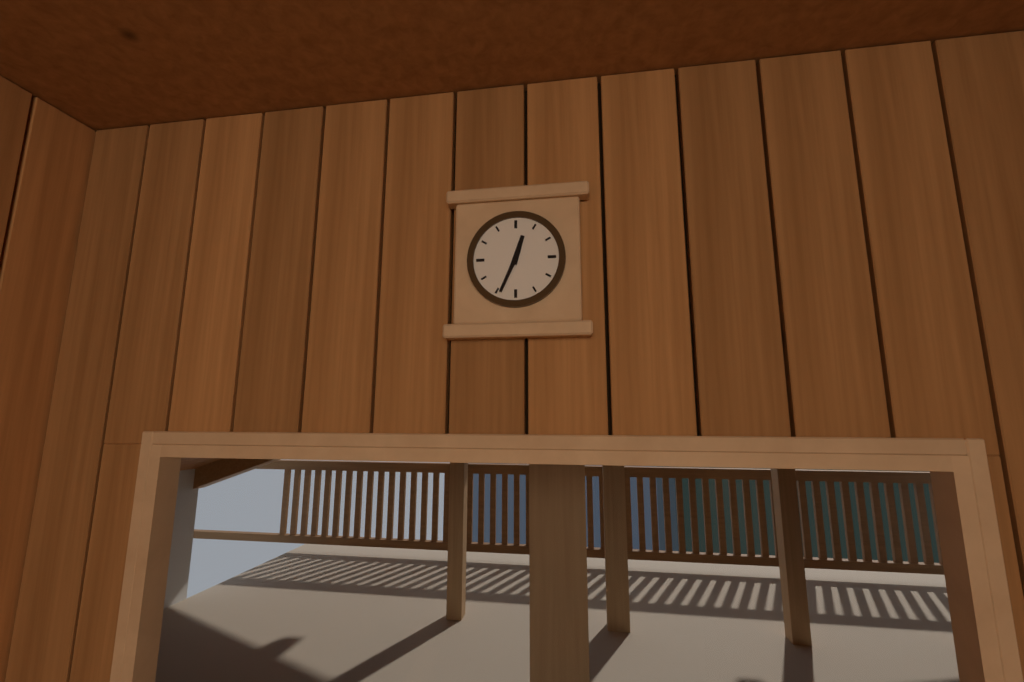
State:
12h34
